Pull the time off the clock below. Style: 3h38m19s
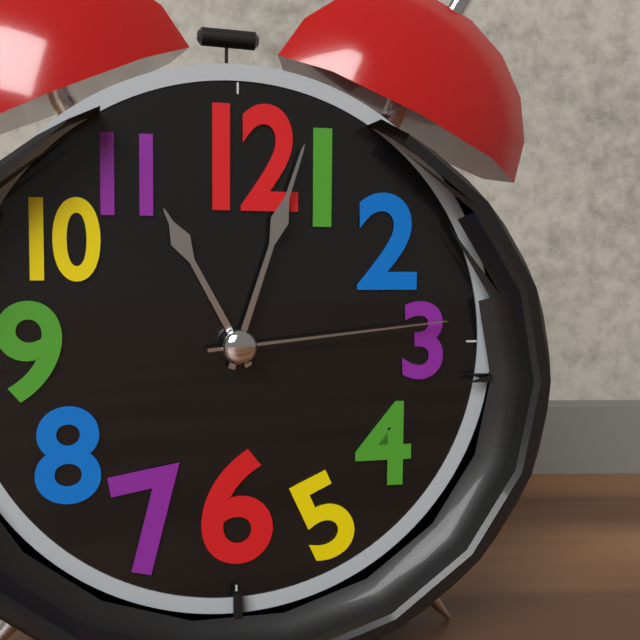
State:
11h03m14s
